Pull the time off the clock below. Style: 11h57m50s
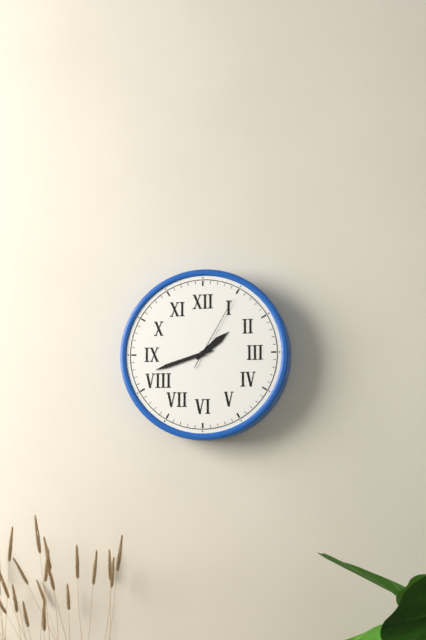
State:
1h42m05s
